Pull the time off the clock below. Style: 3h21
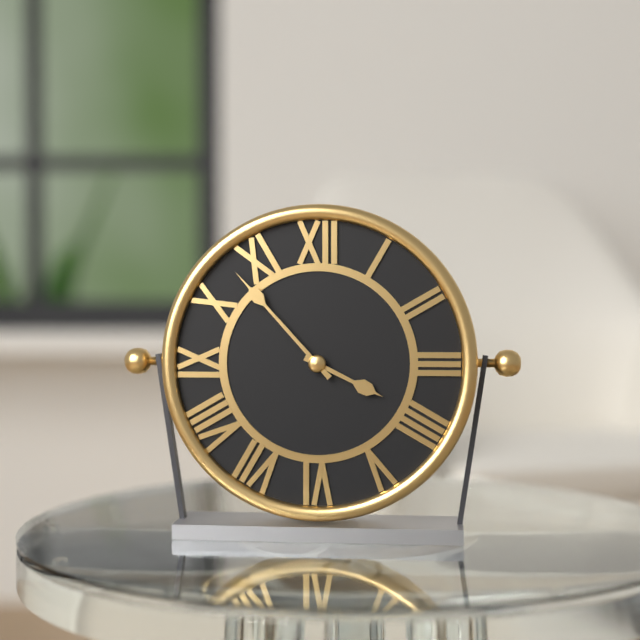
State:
3h53
